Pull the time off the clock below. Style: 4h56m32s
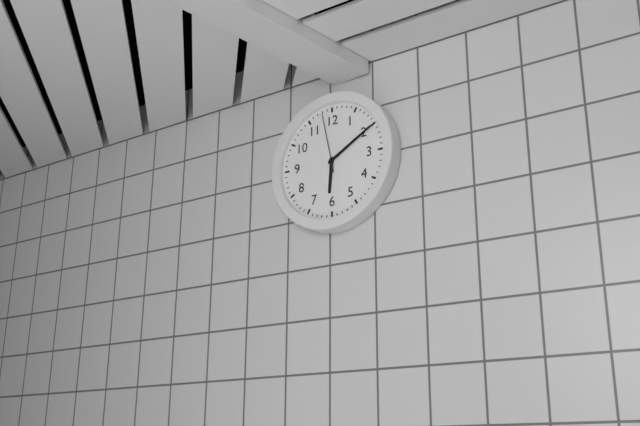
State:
6h10m58s
